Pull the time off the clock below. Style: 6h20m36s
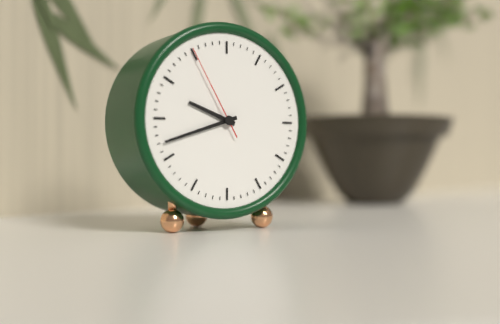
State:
9h42m55s
